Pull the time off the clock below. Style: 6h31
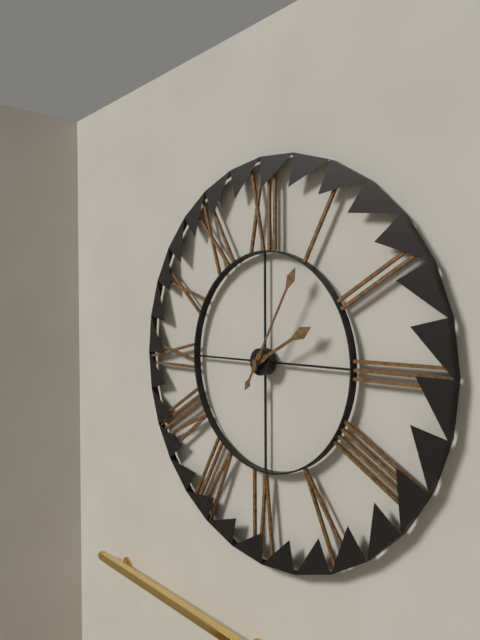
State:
2h05
